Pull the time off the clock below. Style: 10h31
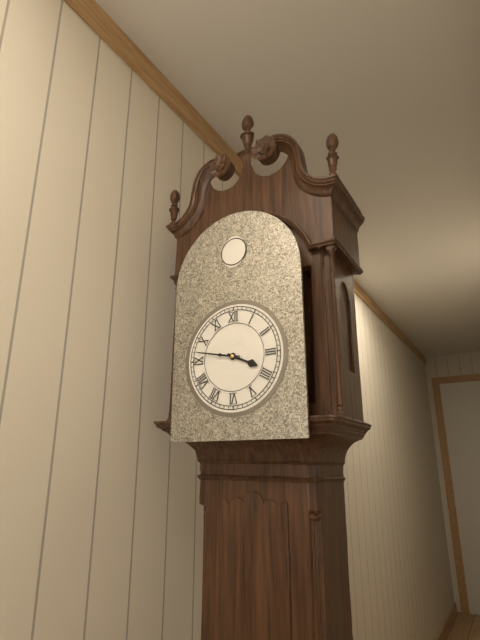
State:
3h47
